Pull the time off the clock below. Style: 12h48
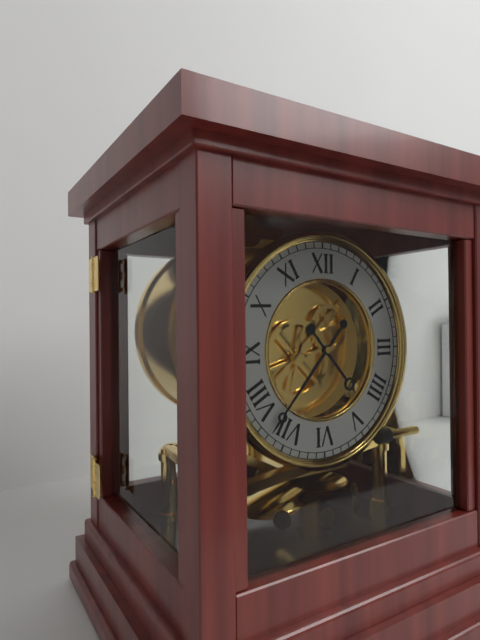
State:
4h37
